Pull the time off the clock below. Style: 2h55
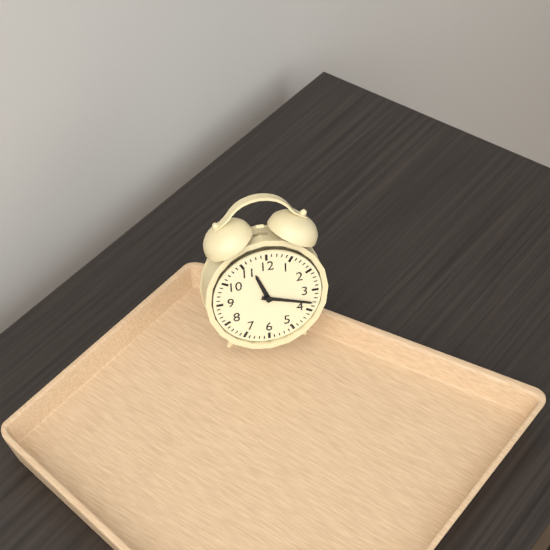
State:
11h18
